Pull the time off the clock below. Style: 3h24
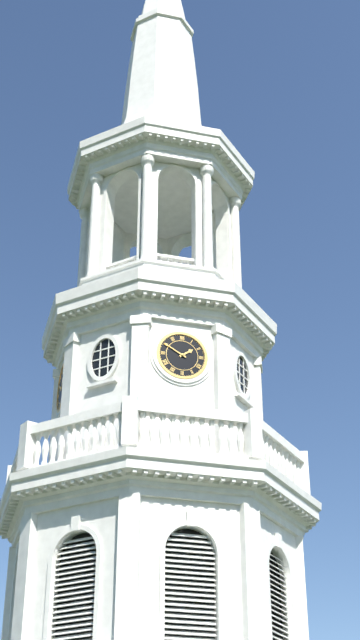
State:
1h50
